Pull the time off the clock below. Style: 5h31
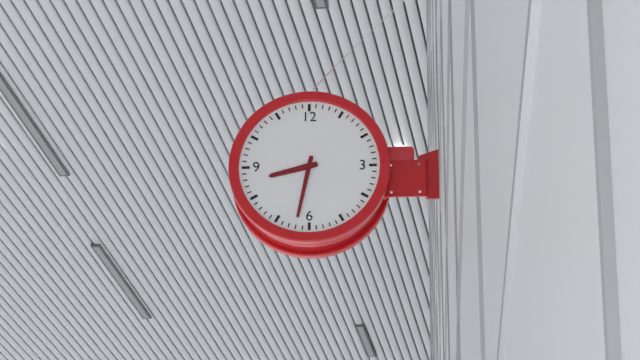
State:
8h32
